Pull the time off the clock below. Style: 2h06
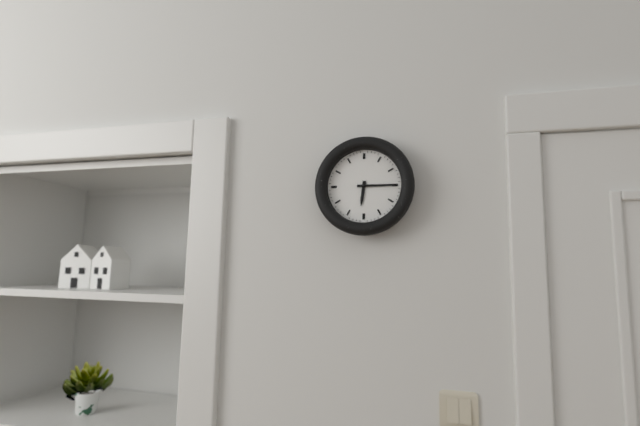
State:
6h15
